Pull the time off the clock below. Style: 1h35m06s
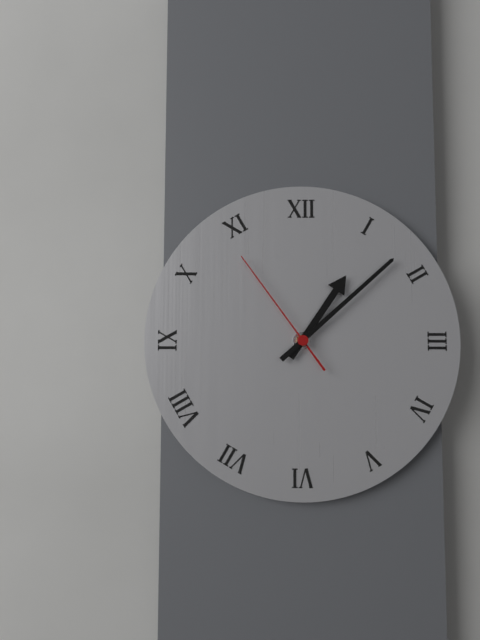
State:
1h08m54s
